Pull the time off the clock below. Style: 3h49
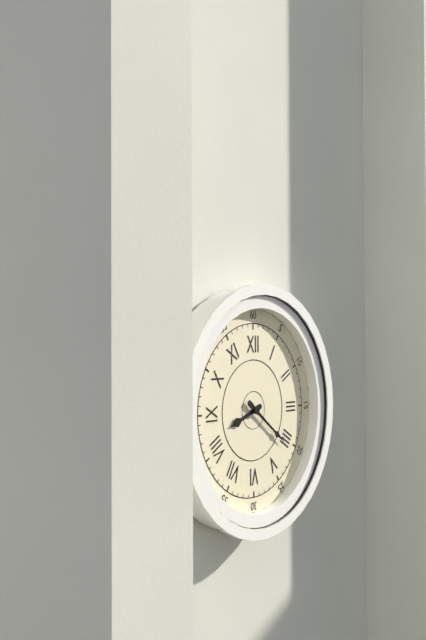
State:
8h21
